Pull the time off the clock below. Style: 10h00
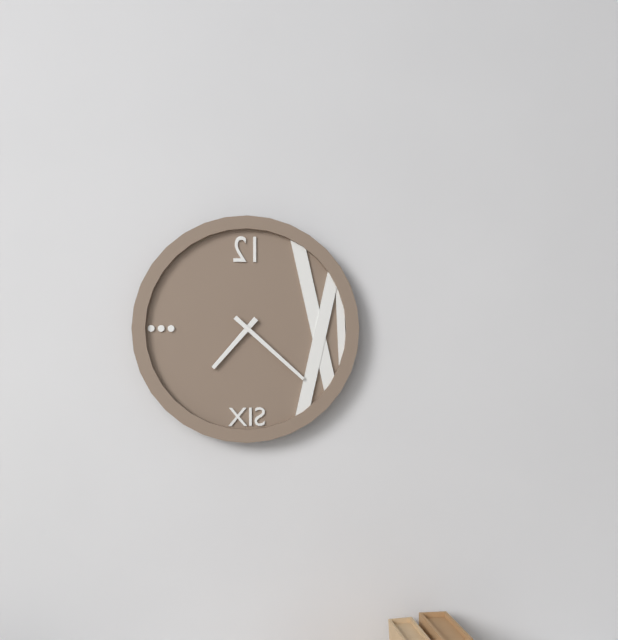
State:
7h22
